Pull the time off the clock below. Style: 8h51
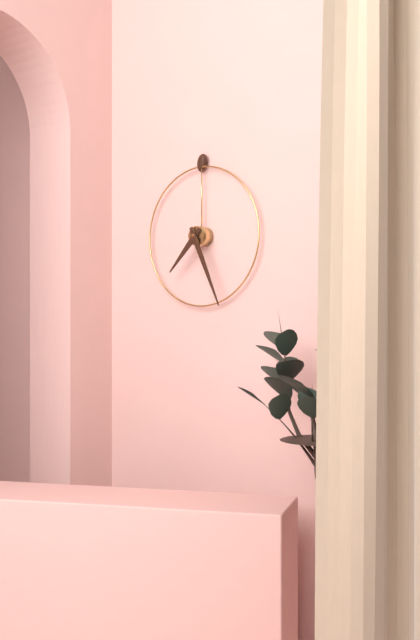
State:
7h26
